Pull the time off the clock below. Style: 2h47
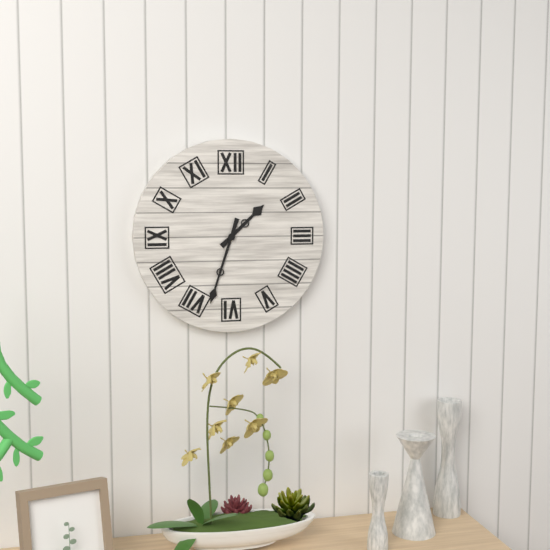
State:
1h33
